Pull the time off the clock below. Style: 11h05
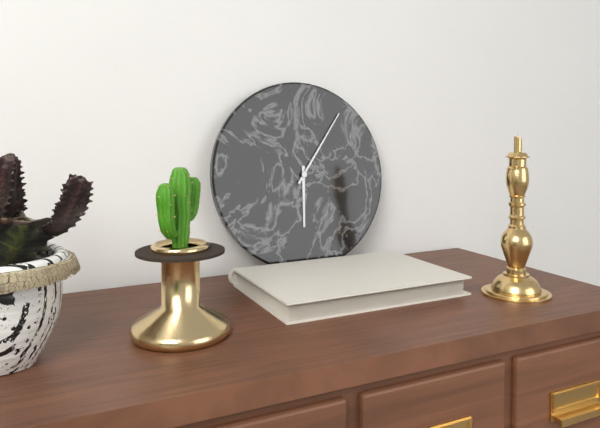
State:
6h06
